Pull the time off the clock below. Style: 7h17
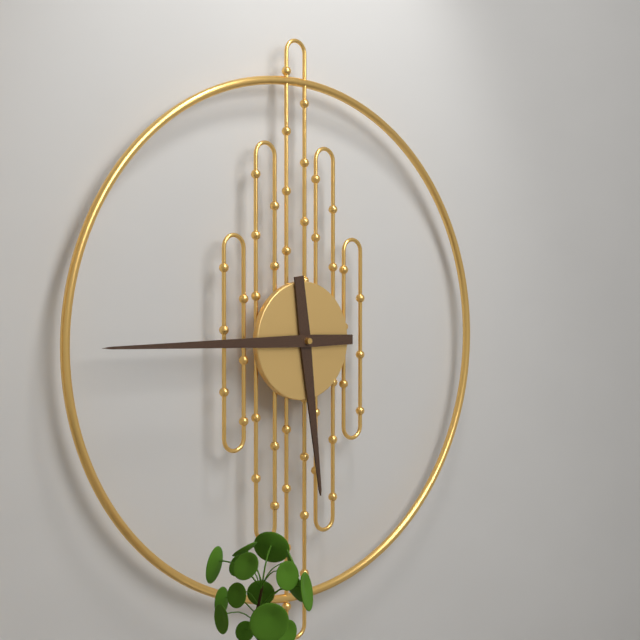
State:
5h45
